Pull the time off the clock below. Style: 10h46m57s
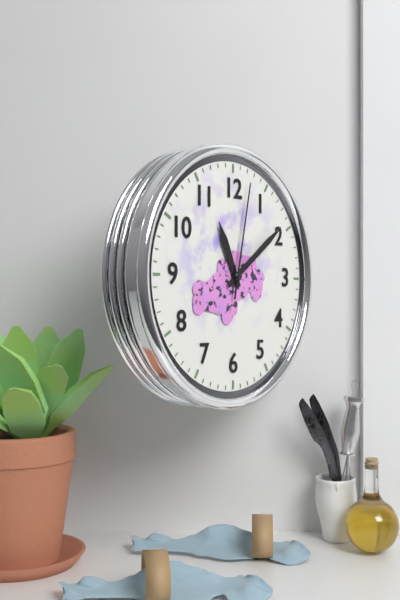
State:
11h09m02s
